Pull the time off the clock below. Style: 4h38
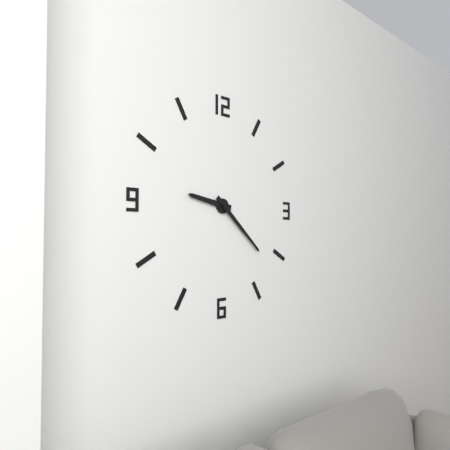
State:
9h22
